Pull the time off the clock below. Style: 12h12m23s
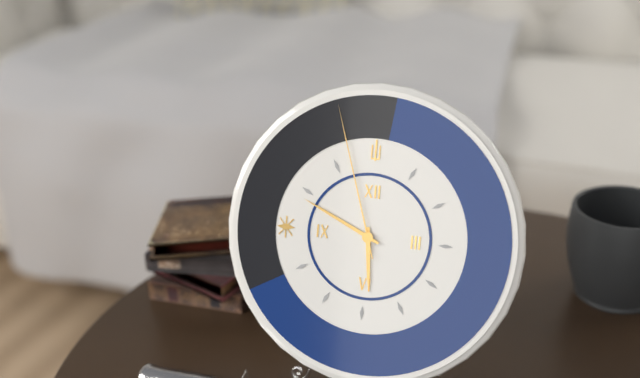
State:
5h49m57s
